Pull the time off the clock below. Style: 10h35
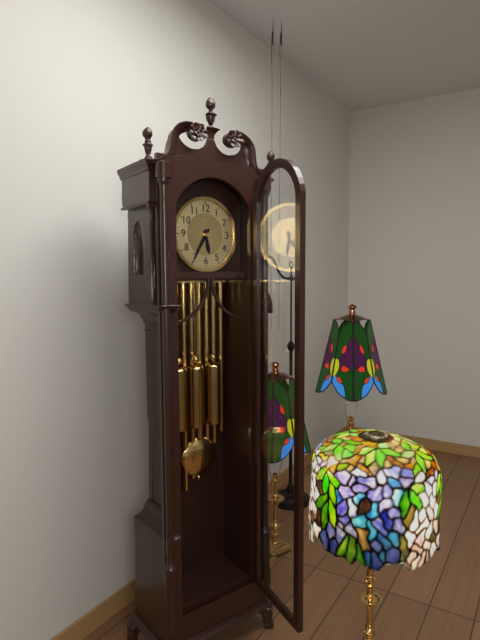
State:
5h35
